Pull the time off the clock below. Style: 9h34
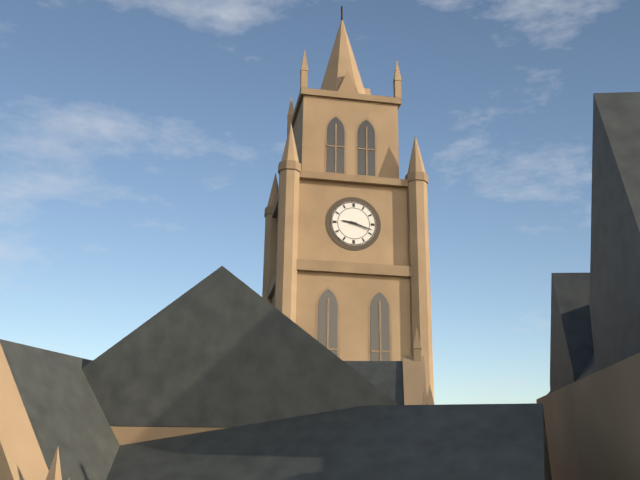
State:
9h18
